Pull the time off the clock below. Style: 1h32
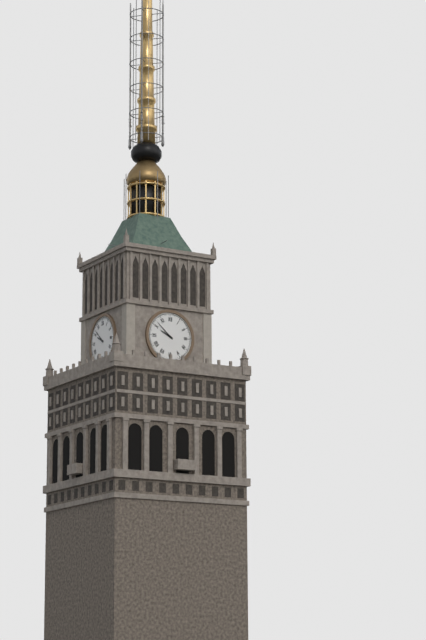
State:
9h52
